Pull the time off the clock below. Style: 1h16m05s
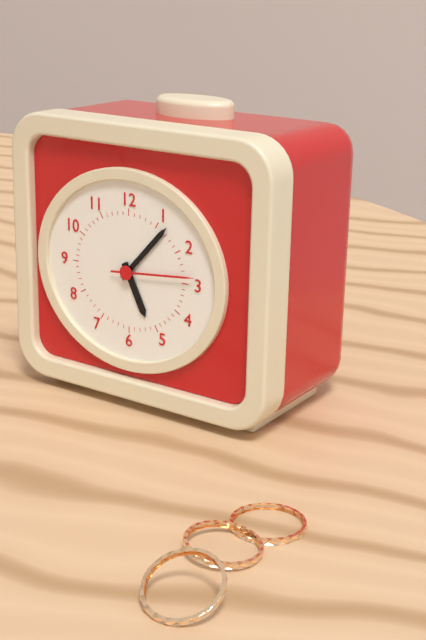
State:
5h07m14s
